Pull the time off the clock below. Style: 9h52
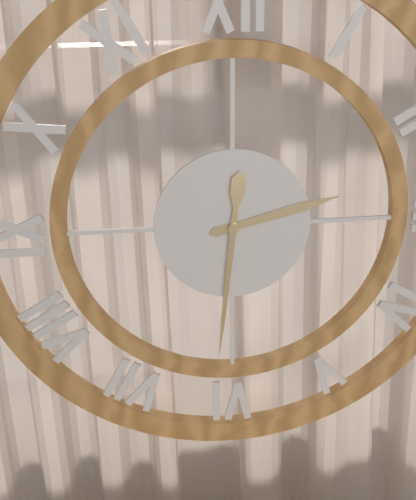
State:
2h31
